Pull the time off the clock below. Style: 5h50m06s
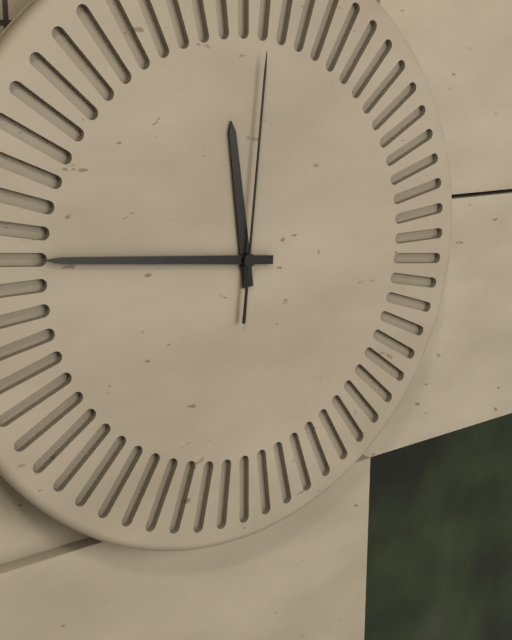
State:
11h46m01s
